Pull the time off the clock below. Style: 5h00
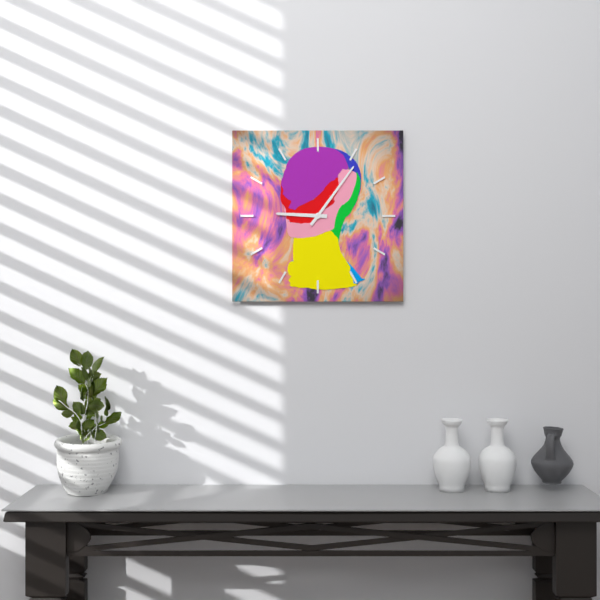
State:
9h06
